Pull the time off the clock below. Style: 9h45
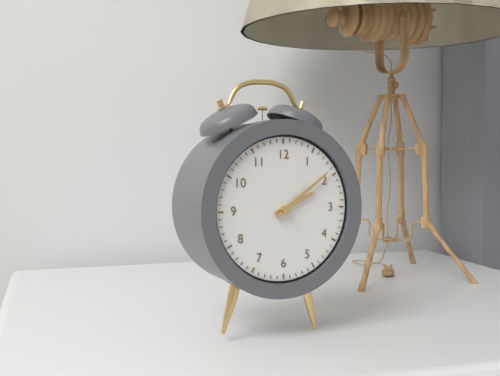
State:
2h09
